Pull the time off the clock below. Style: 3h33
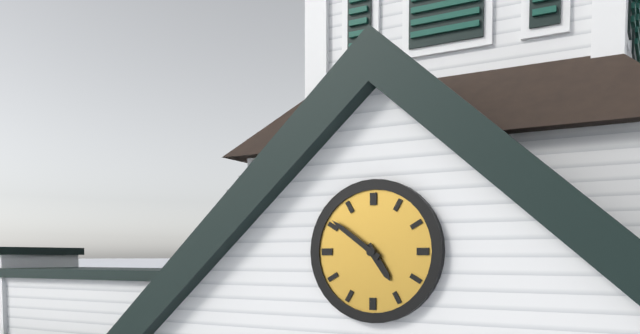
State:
4h51
